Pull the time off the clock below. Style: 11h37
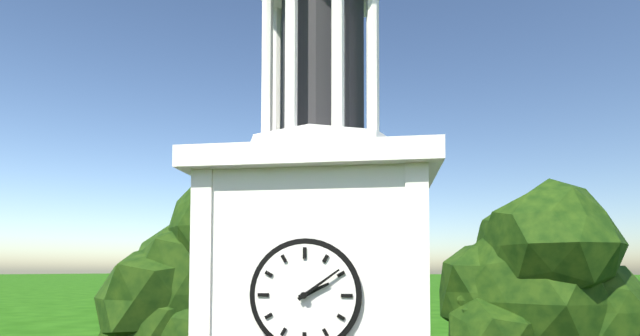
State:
2h09
